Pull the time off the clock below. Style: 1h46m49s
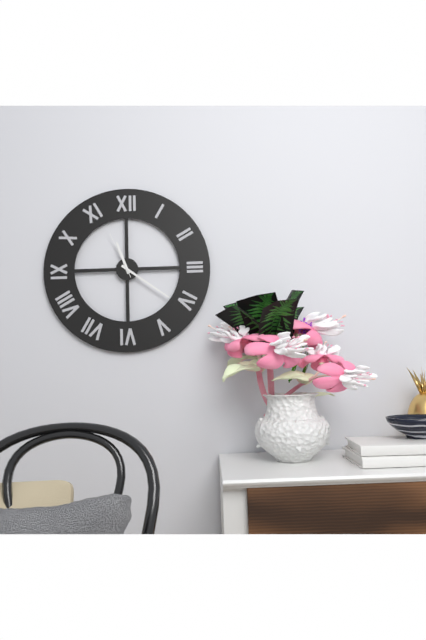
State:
11h21m56s
